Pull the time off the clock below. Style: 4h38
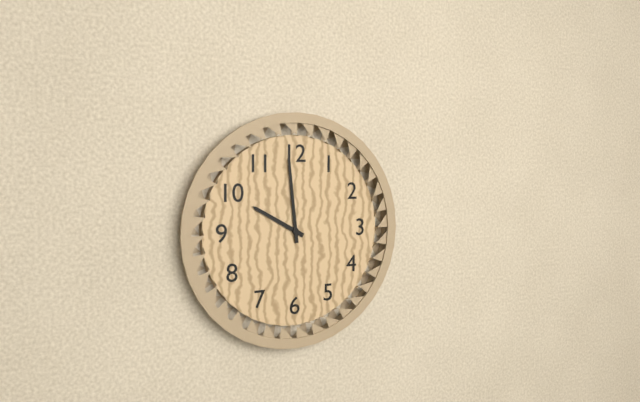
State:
9h59
